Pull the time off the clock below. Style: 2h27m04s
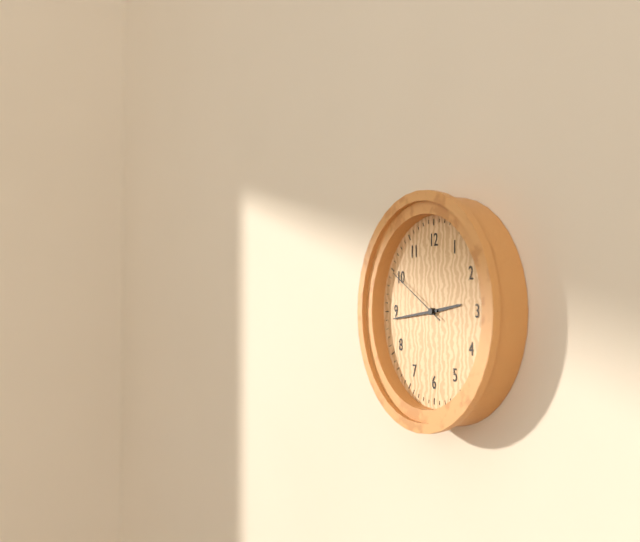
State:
2h44m50s
